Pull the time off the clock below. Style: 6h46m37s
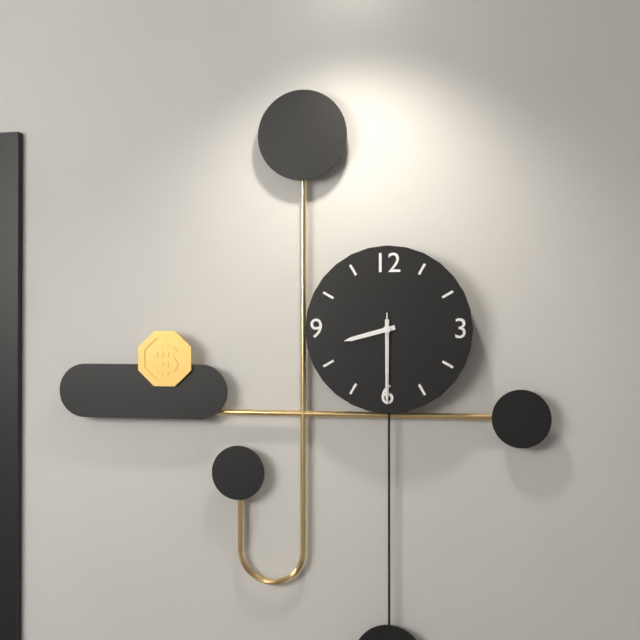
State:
8h30m30s
